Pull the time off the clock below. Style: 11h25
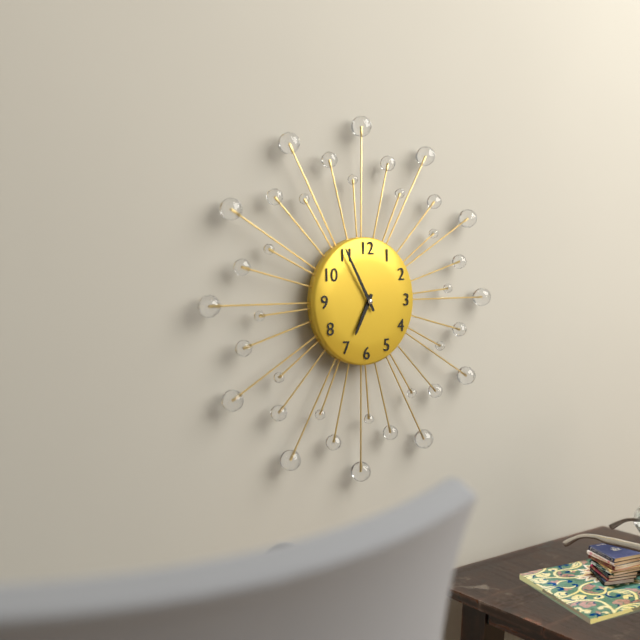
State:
6h55
